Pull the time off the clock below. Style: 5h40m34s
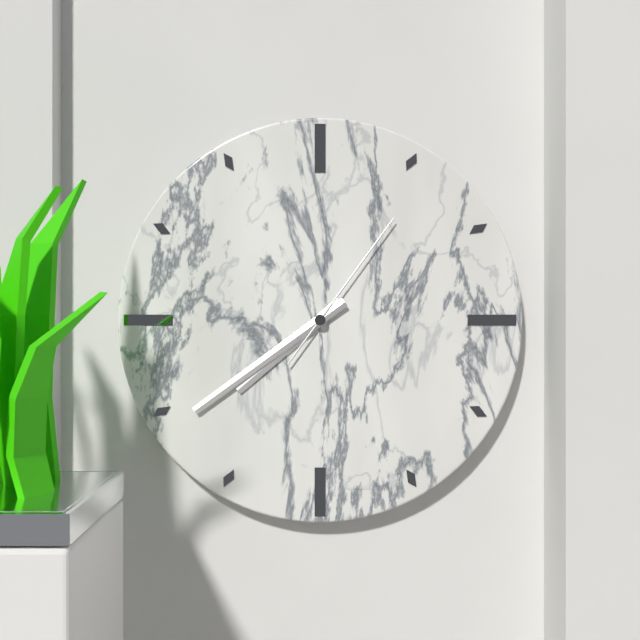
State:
7h39m06s
